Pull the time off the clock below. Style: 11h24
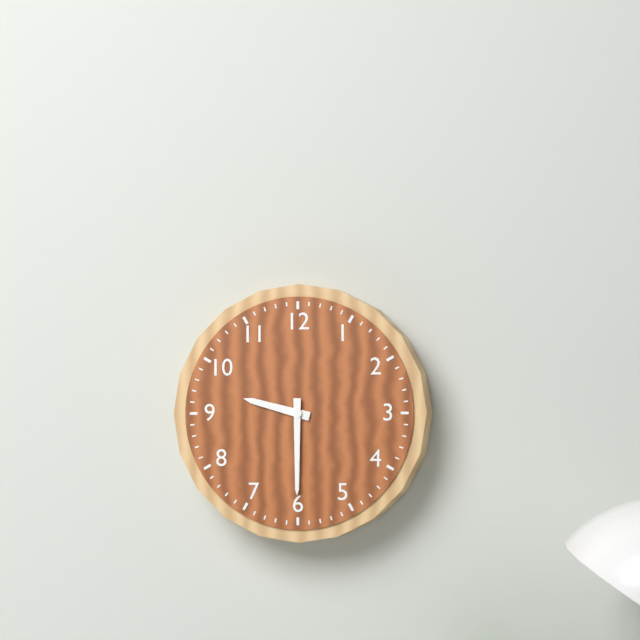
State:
9h30
